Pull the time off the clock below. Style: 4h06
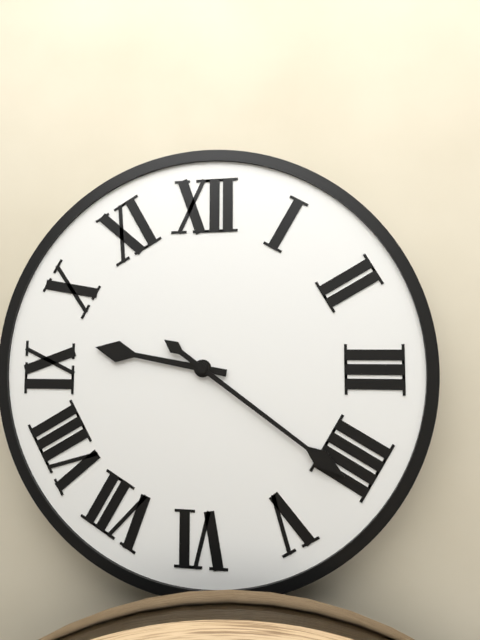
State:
9h21
